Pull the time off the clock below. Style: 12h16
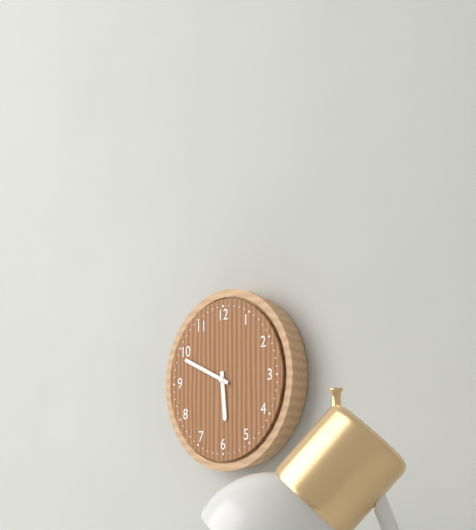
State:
5h49
